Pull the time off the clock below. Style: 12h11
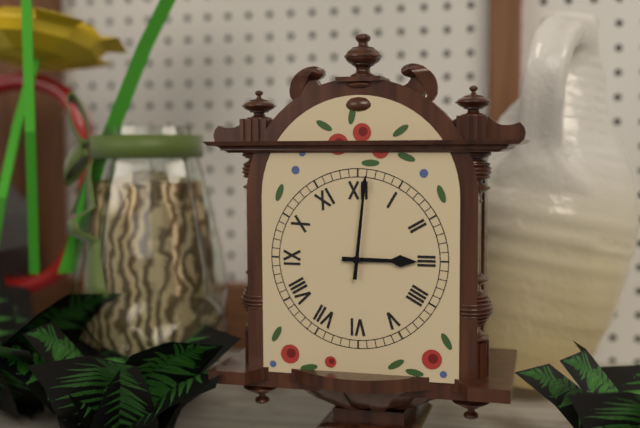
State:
3h01
